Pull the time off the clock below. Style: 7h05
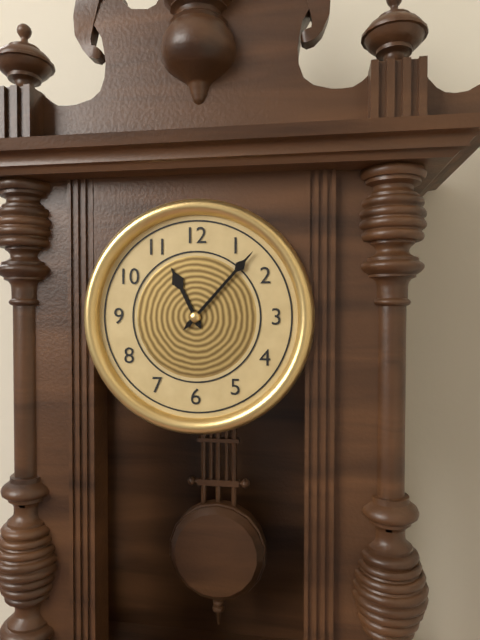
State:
11h07
